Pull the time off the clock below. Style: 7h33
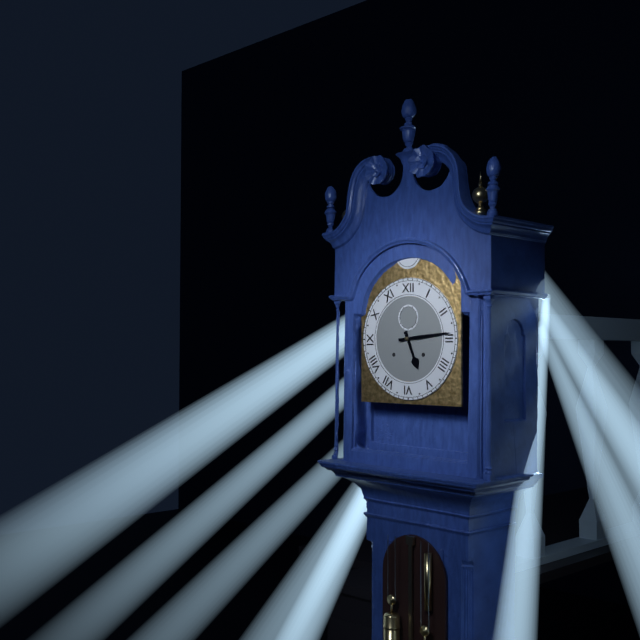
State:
5h14
